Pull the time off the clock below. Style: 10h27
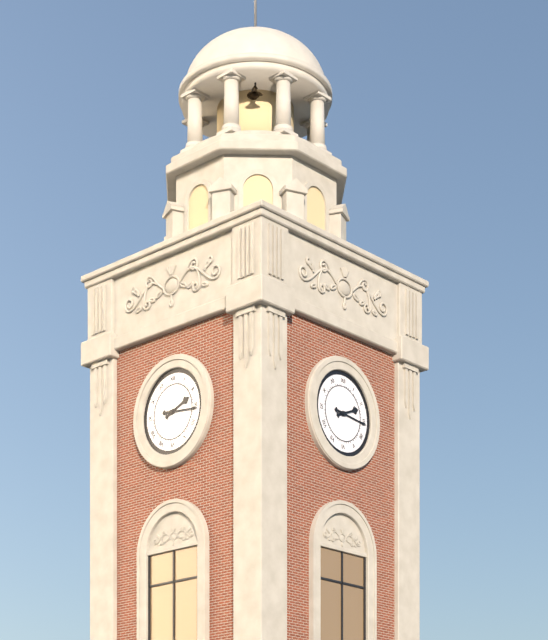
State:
2h16
